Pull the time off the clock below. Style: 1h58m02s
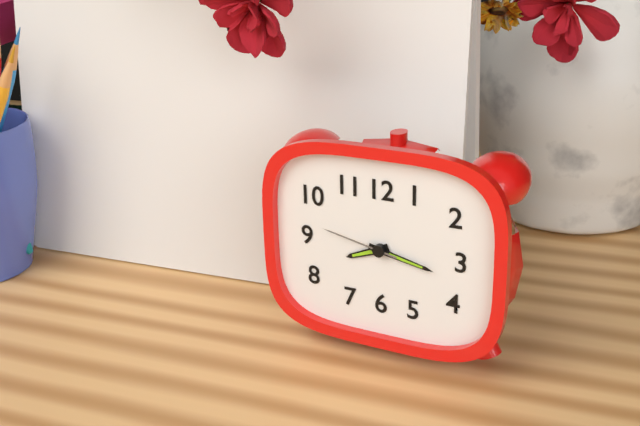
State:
8h17m47s
